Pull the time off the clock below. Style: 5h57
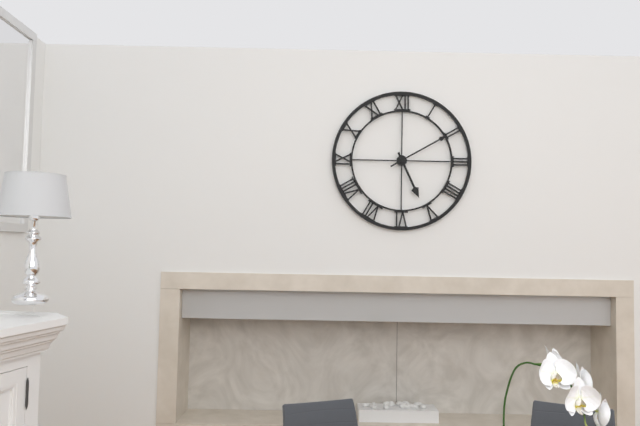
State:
5h10
